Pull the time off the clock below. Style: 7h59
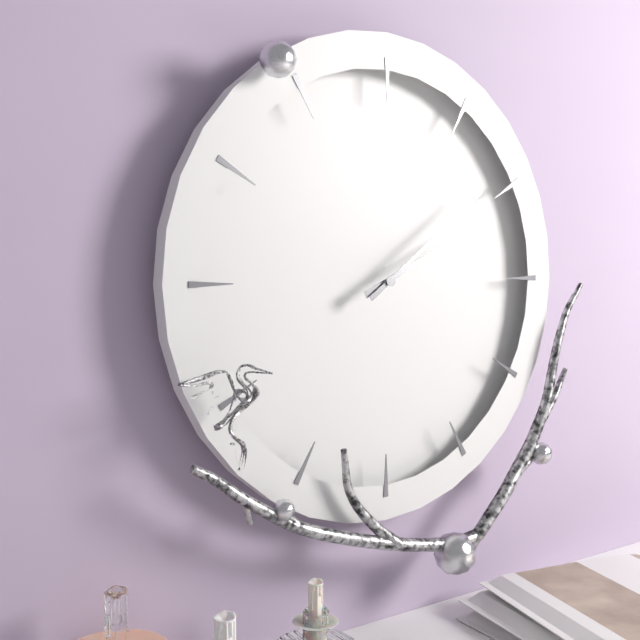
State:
2h09
